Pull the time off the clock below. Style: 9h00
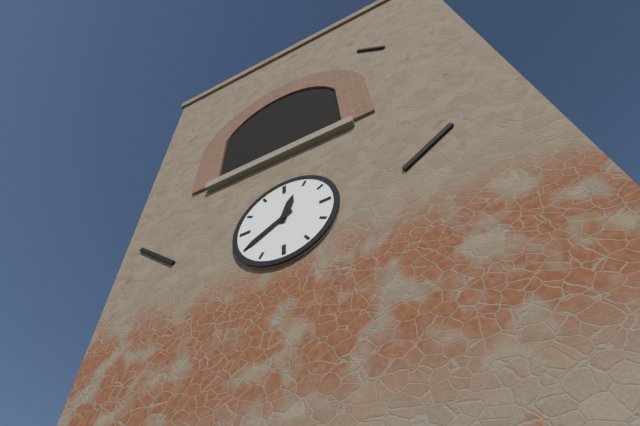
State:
12h40
